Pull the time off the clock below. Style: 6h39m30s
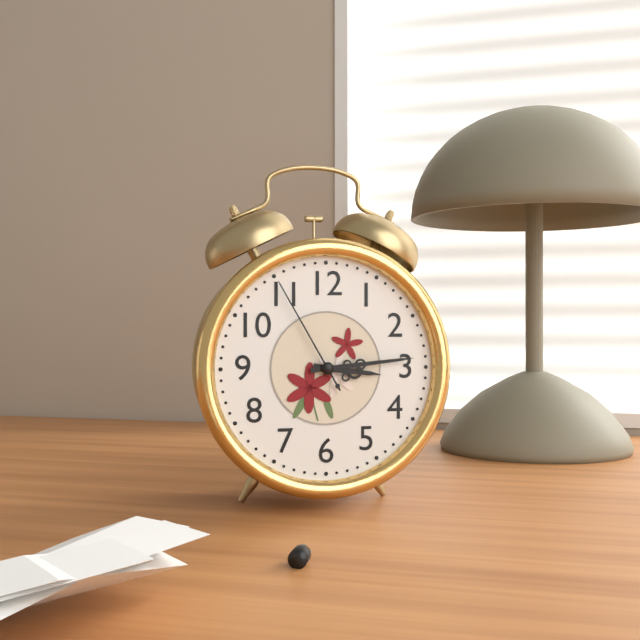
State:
3h14m55s
